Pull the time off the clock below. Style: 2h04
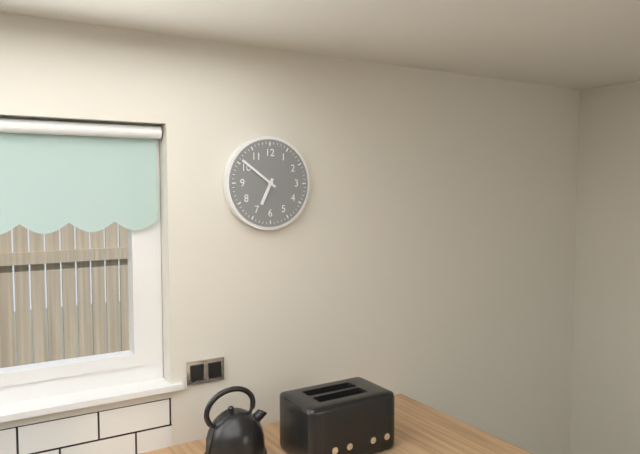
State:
6h51
